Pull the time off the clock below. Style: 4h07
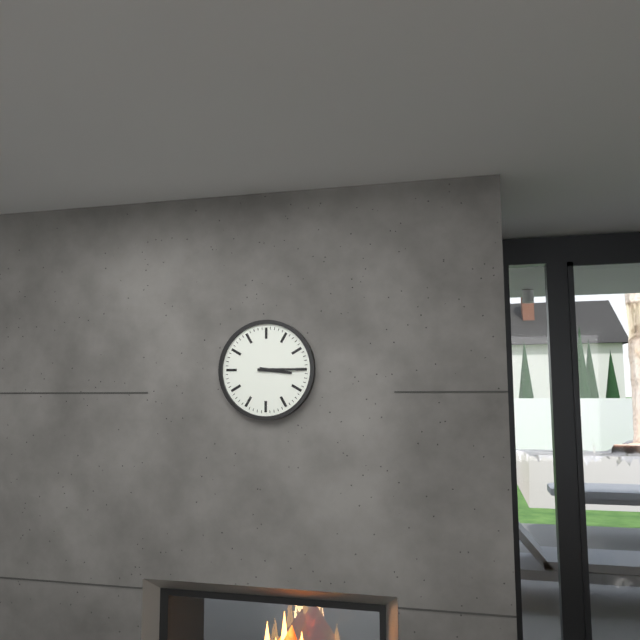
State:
3h15
